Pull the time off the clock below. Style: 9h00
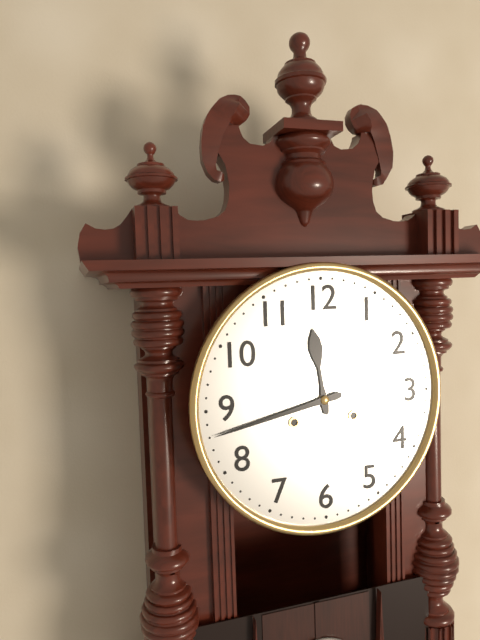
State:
11h43
